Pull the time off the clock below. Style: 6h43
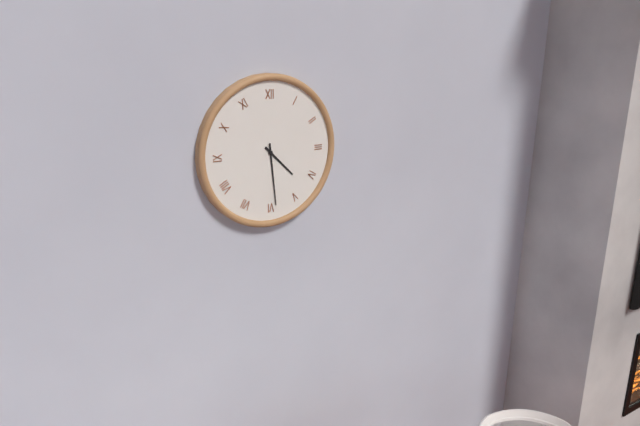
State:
4h29
